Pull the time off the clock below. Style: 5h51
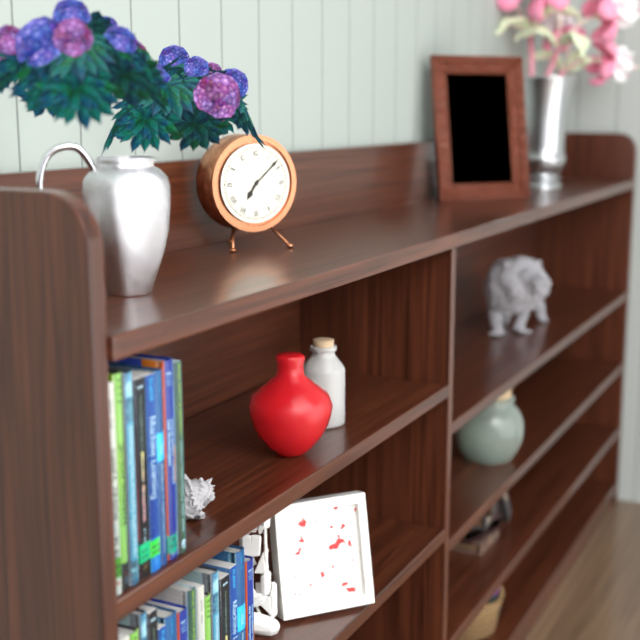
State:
7h08
